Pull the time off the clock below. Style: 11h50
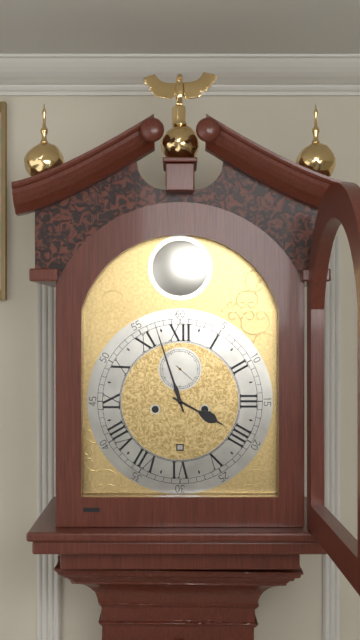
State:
3h57
